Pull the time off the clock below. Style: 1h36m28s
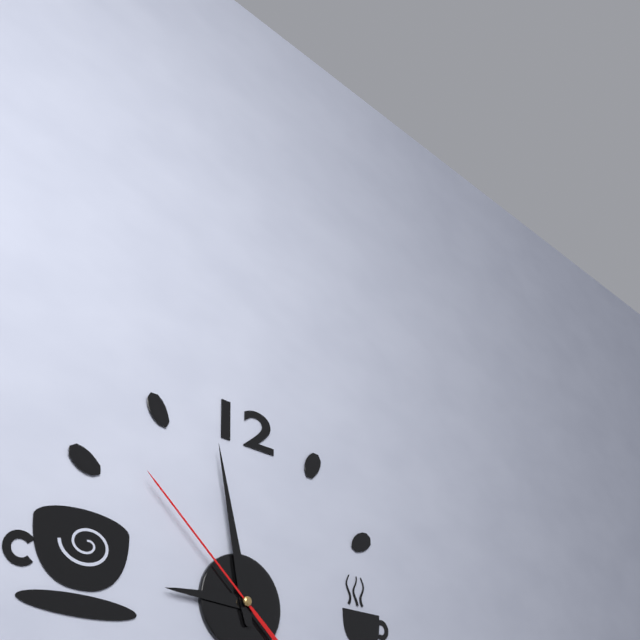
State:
8h58m52s
